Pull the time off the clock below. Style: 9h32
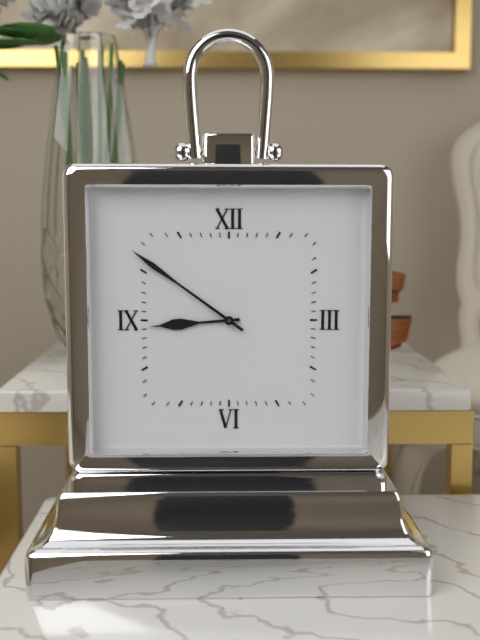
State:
8h51
